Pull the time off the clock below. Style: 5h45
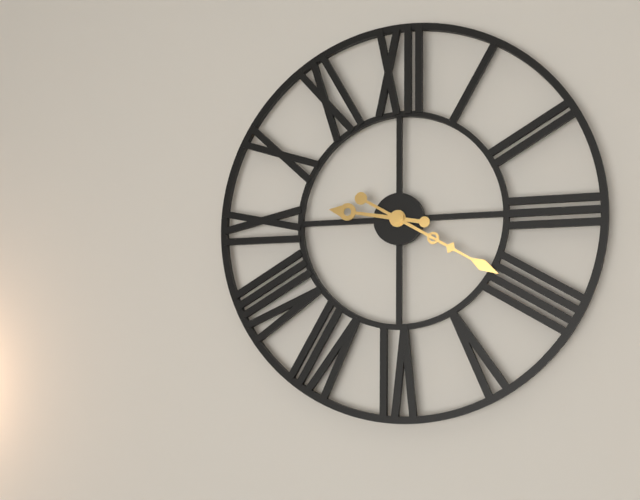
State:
9h20
